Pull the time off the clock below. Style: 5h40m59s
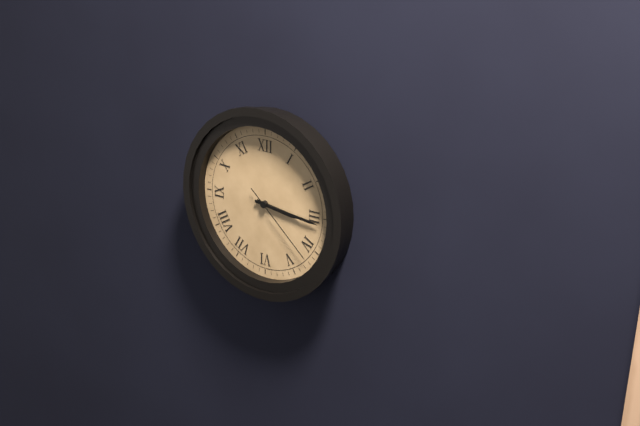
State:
3h16m22s
